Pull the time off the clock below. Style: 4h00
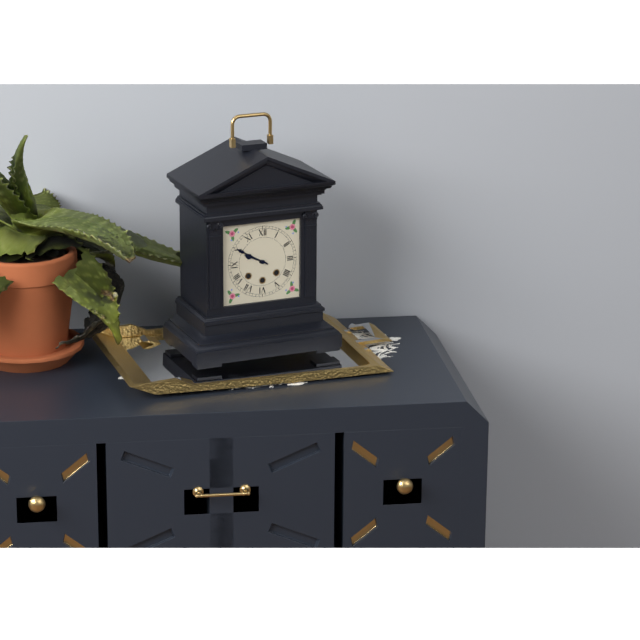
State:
9h50
